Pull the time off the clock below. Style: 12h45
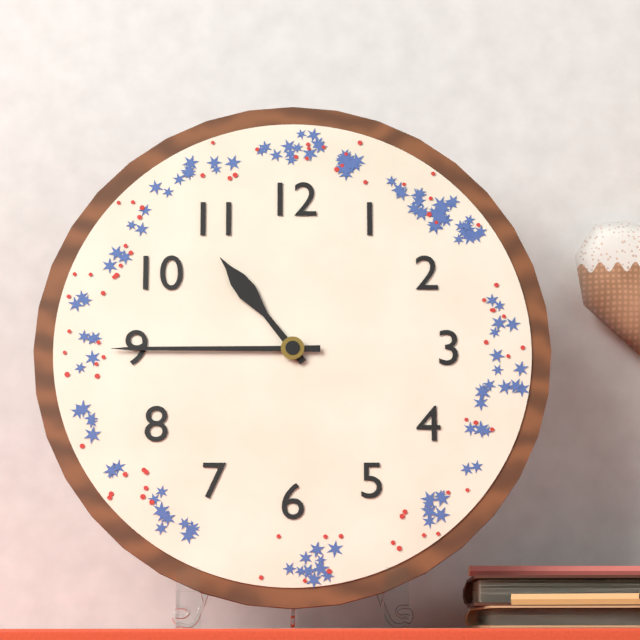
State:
10h45
